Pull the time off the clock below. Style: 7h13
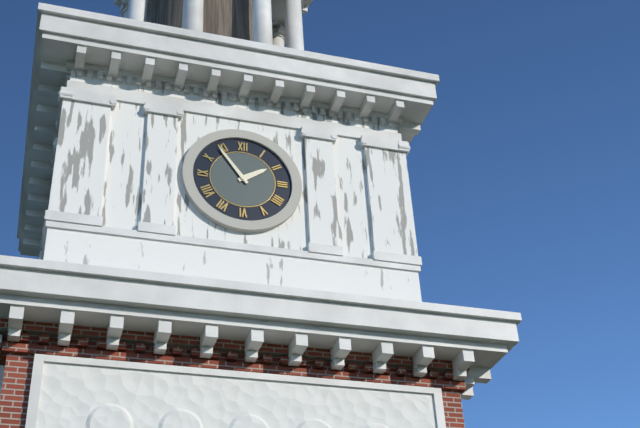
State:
1h54
